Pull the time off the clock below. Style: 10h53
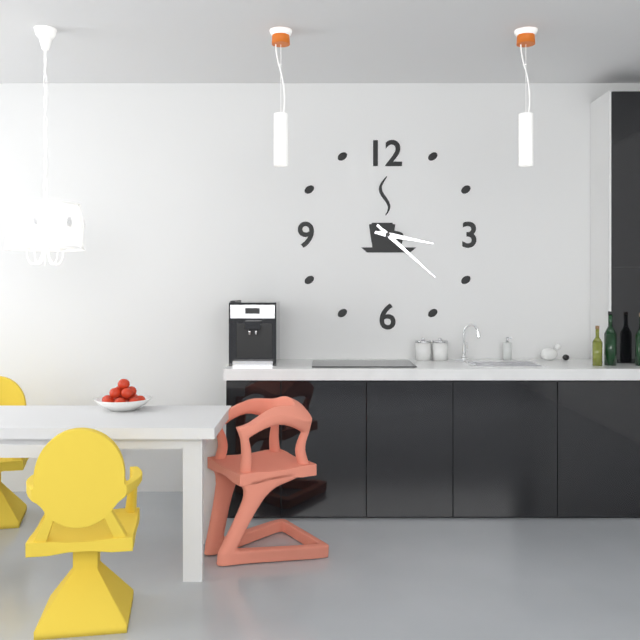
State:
3h22
